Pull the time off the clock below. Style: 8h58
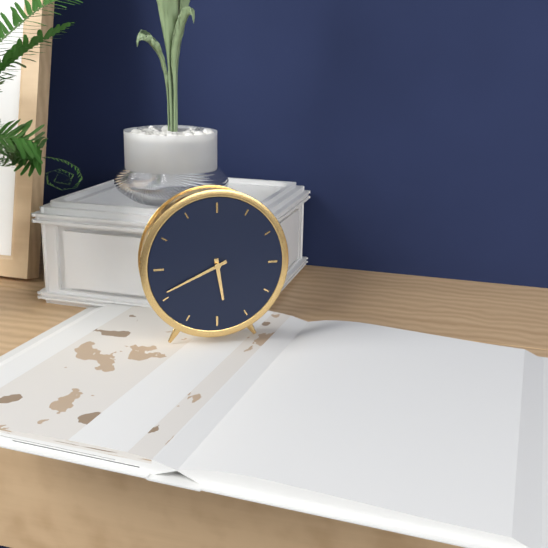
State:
5h41
